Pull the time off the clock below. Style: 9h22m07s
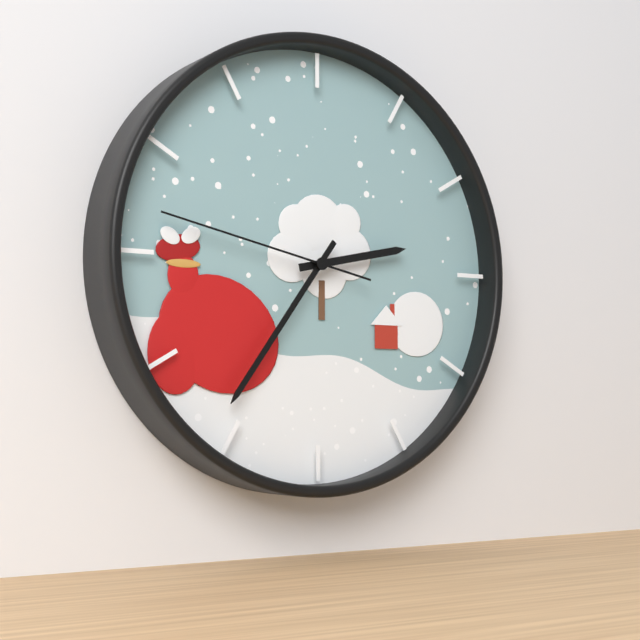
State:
2h36m47s
